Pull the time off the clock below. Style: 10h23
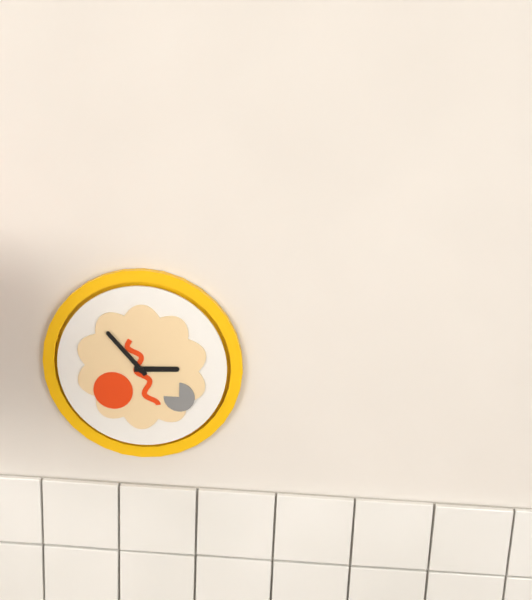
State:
2h53
